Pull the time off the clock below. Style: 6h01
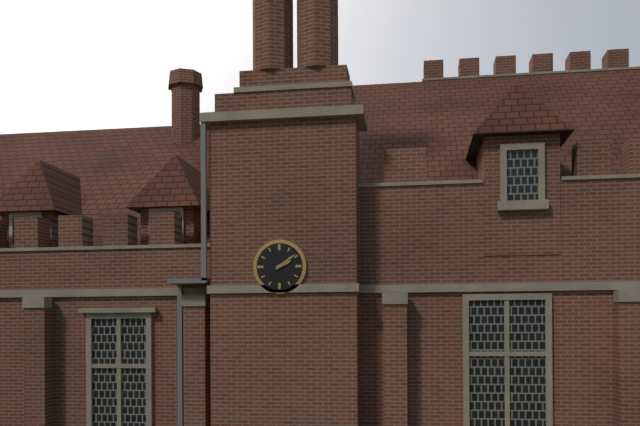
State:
2h09
